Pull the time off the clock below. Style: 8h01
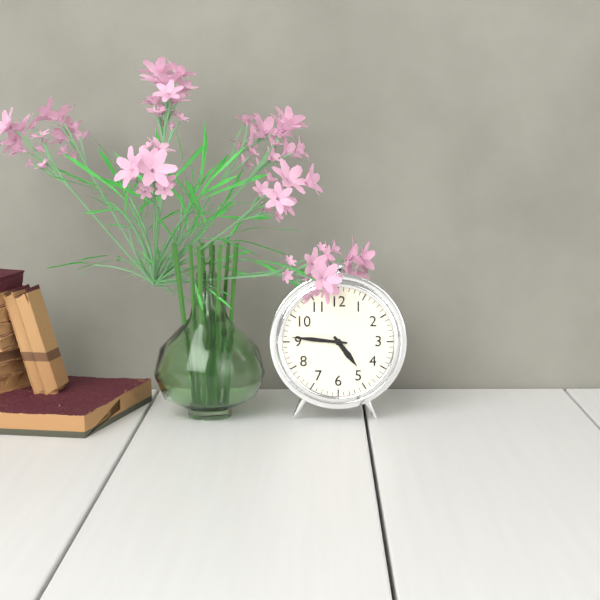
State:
4h46
